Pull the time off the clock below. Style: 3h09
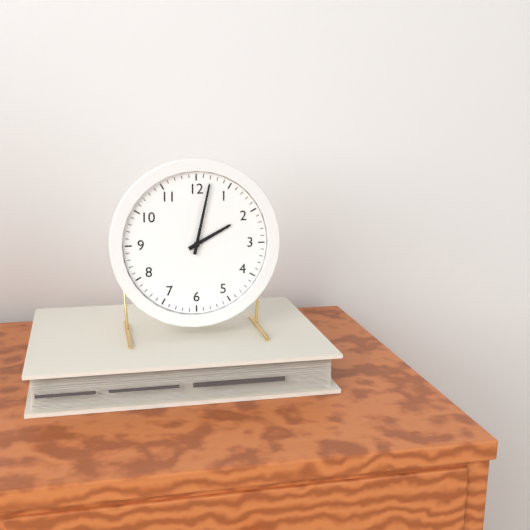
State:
2h02
